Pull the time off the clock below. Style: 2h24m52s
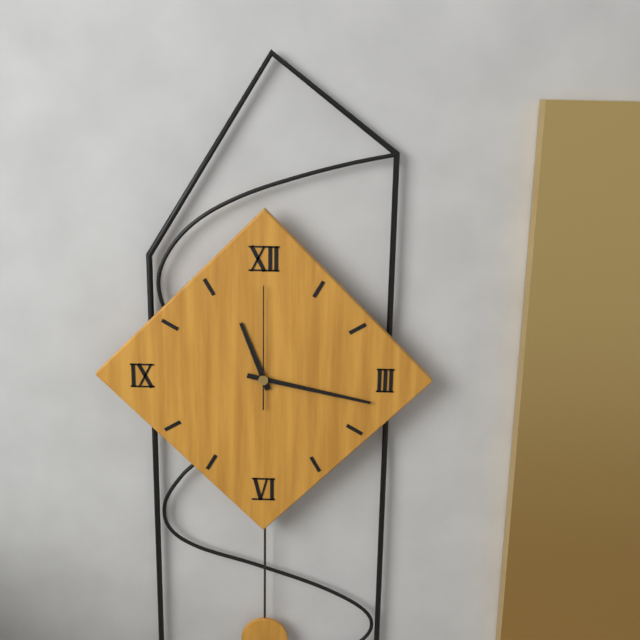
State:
11h17m00s
